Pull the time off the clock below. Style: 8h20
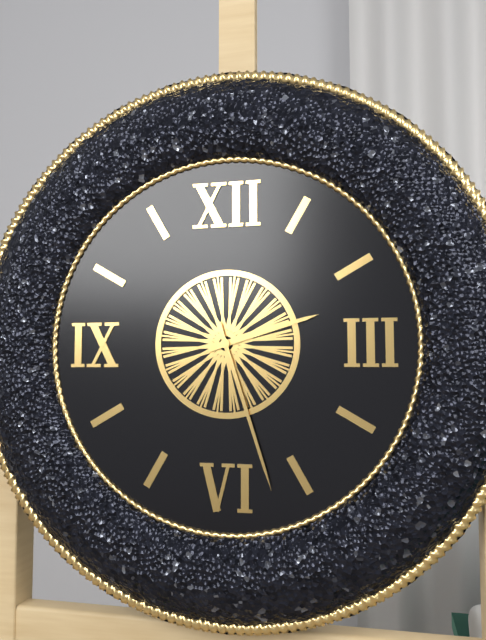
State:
2h27
